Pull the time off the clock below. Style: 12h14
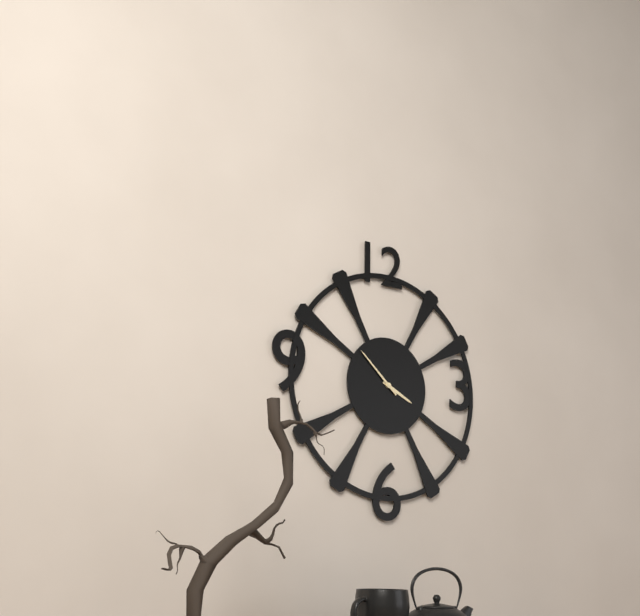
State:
3h52
